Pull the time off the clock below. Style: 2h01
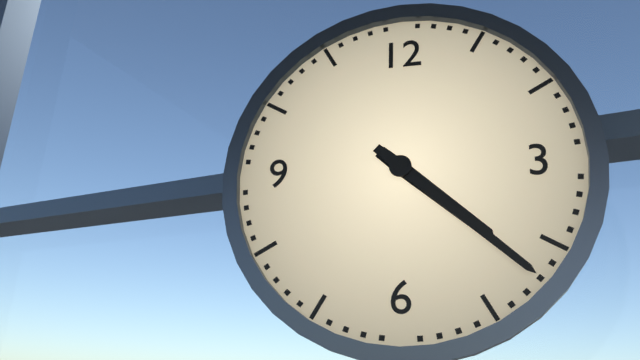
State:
4h22
